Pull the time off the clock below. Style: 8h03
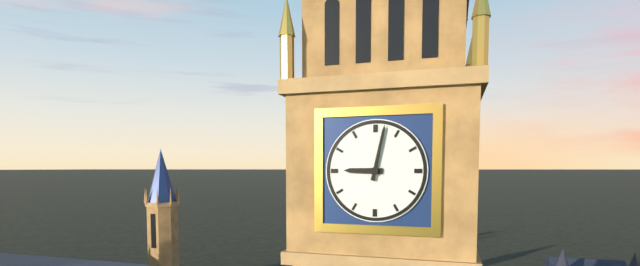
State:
9h02
